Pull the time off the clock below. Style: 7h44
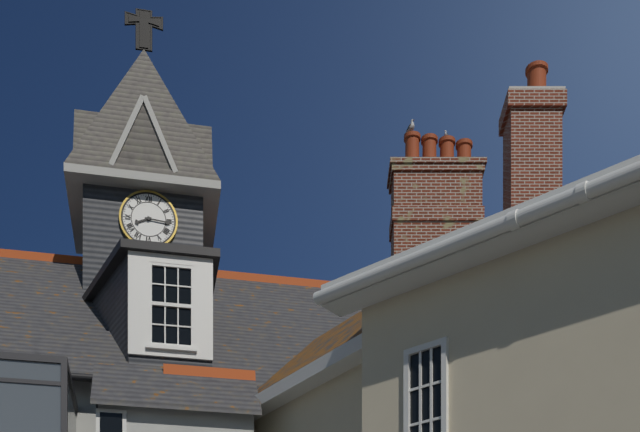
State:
8h16
